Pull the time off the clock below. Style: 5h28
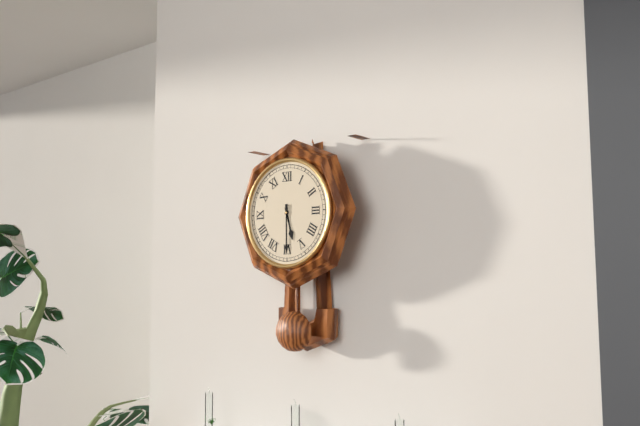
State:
5h30
